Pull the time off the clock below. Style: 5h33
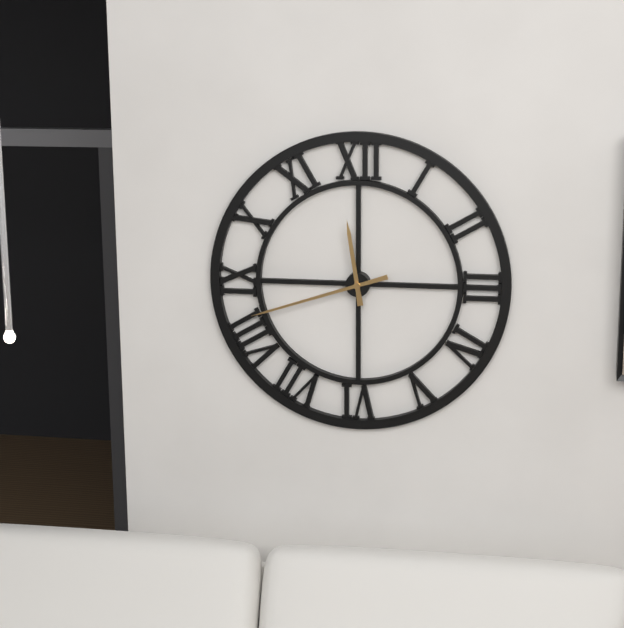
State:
11h42
